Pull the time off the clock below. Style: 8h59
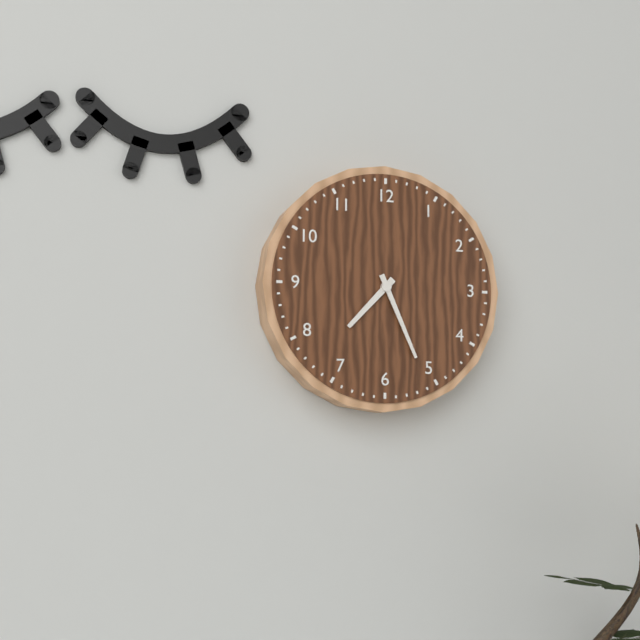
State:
7h26
